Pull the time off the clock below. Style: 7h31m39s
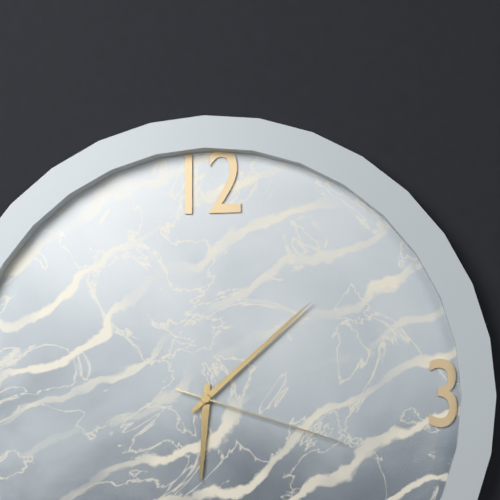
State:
6h08m18s
